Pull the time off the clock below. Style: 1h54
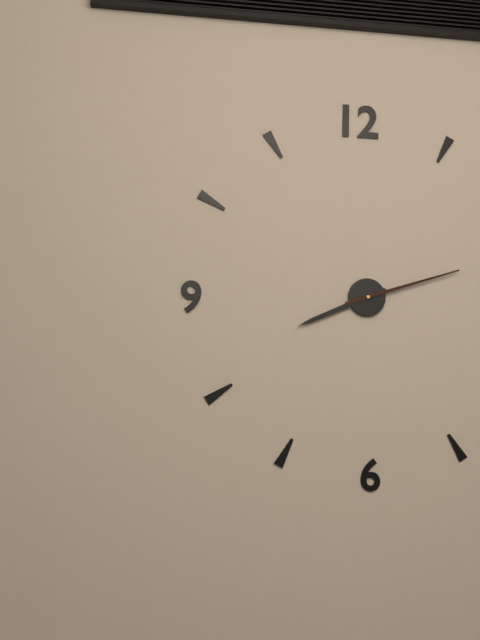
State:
8h12
